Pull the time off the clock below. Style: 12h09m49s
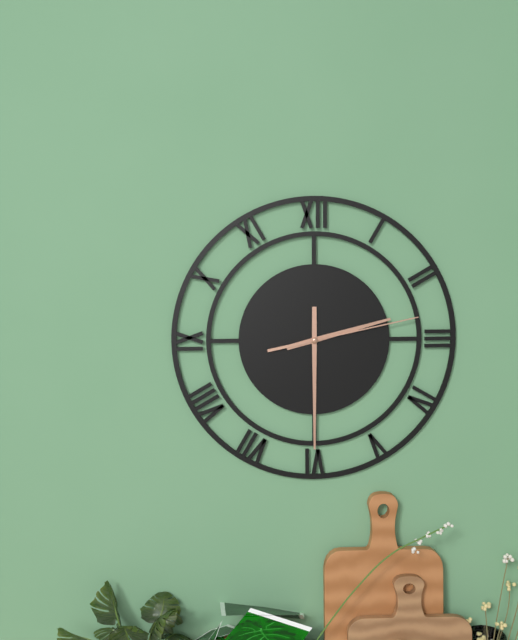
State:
2h30m13s
